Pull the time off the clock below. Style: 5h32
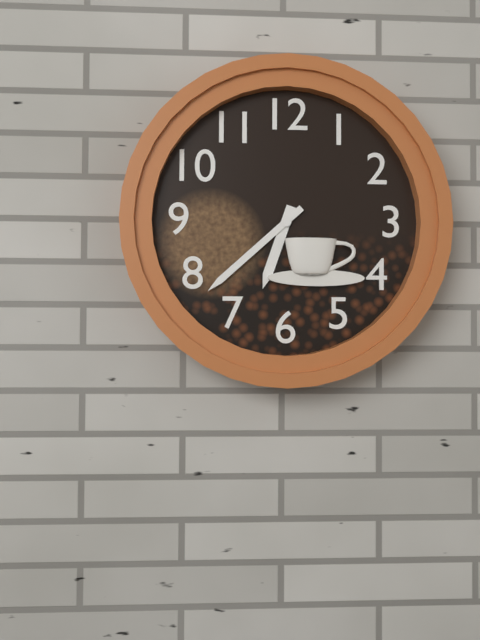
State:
6h38
